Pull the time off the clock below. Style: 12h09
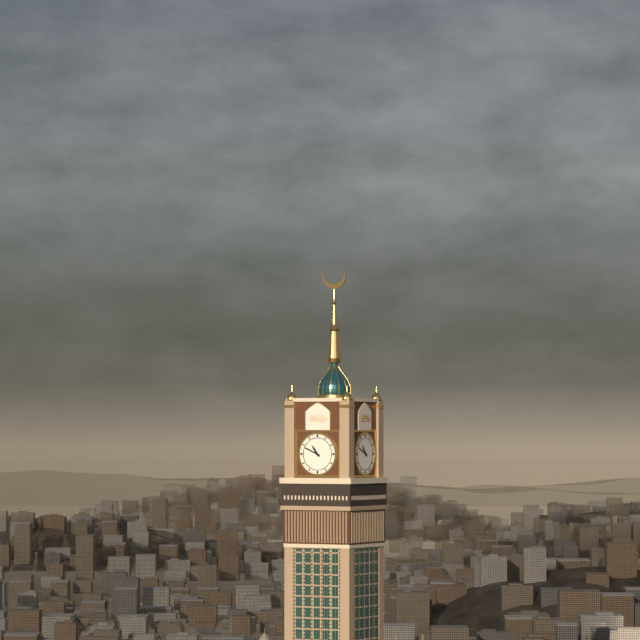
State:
10h49
